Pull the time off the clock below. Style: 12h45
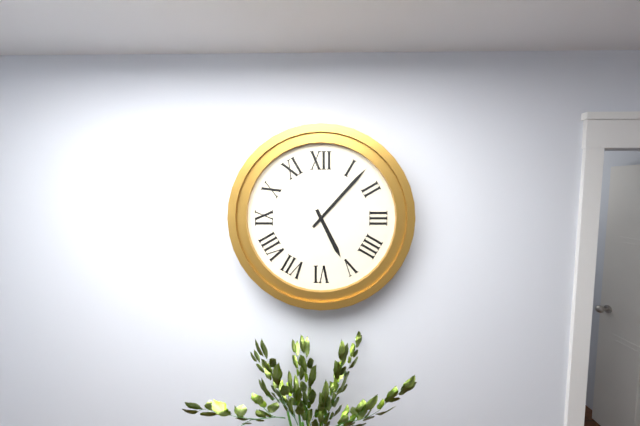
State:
5h07
